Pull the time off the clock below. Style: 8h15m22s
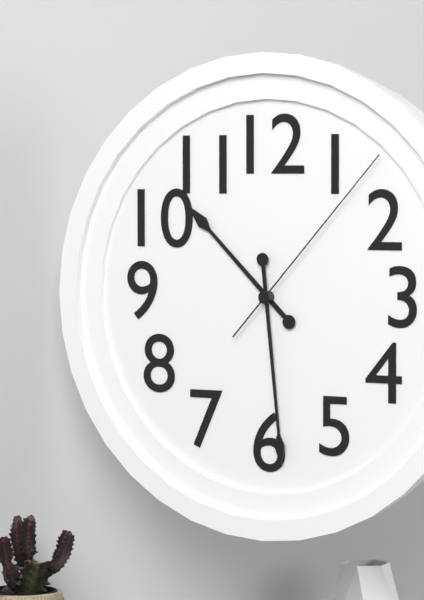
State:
10h29m07s
